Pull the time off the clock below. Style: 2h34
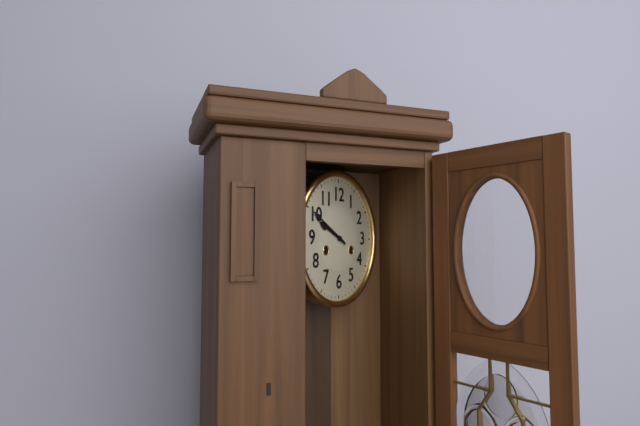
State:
9h50
